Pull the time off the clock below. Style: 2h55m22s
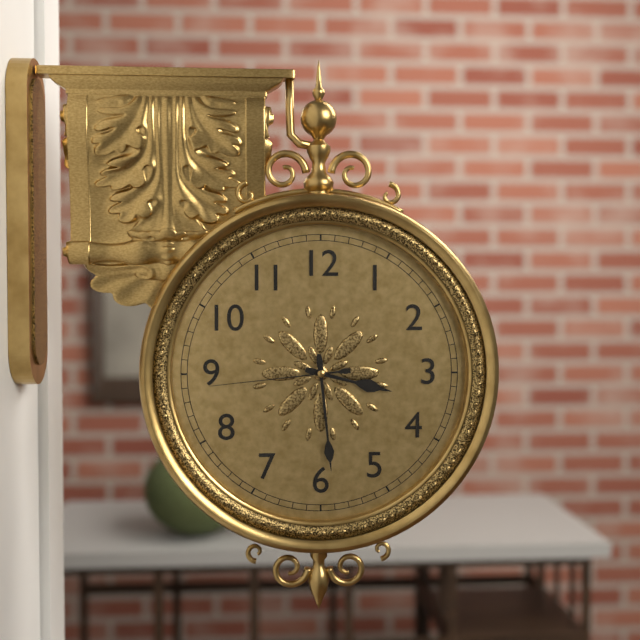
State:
3h29m44s
